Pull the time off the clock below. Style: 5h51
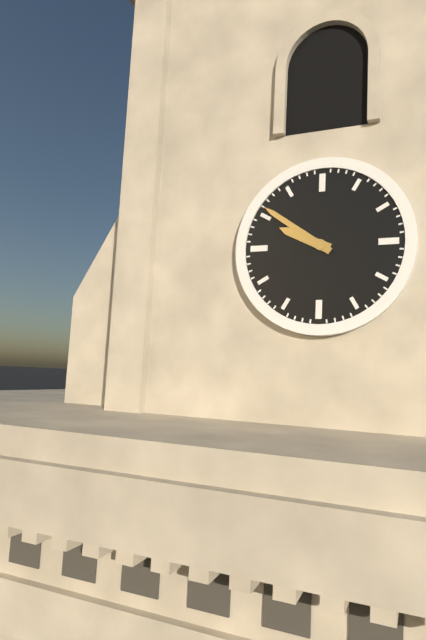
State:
9h51
